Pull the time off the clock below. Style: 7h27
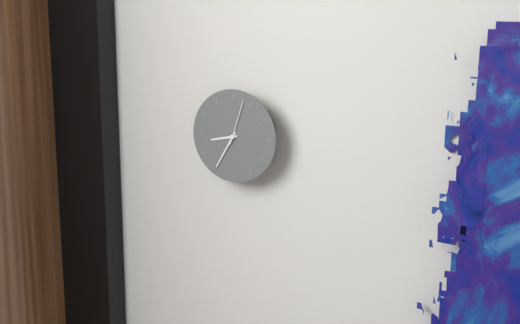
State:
8h35
